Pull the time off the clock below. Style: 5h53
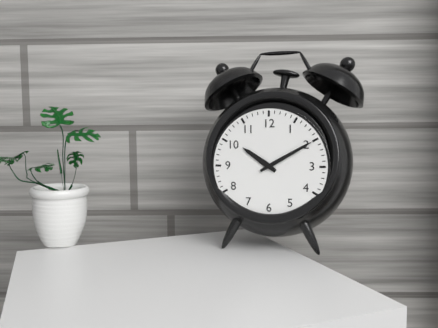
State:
10h10
